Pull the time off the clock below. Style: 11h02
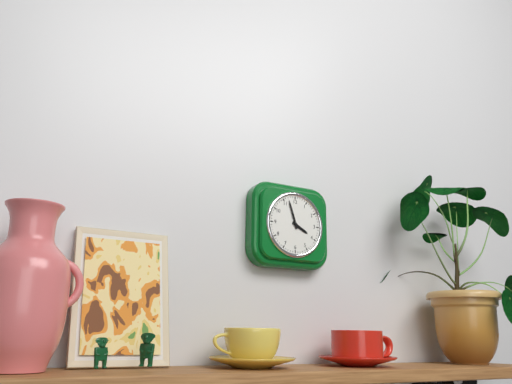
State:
3h57
